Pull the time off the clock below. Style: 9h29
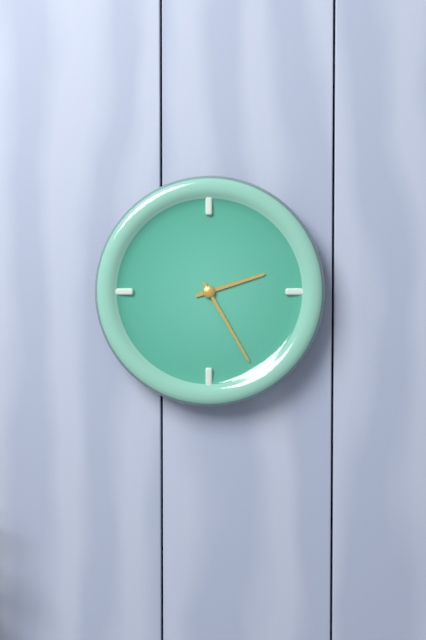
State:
2h25
